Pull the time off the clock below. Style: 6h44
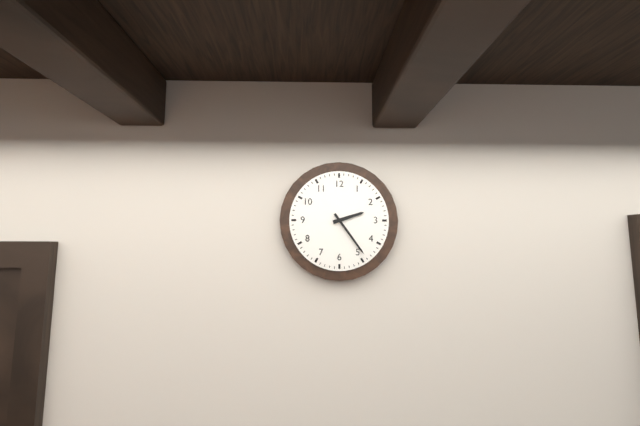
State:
2h24
